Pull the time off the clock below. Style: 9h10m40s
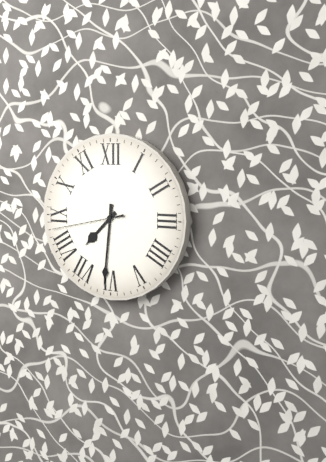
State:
7h31m43s
